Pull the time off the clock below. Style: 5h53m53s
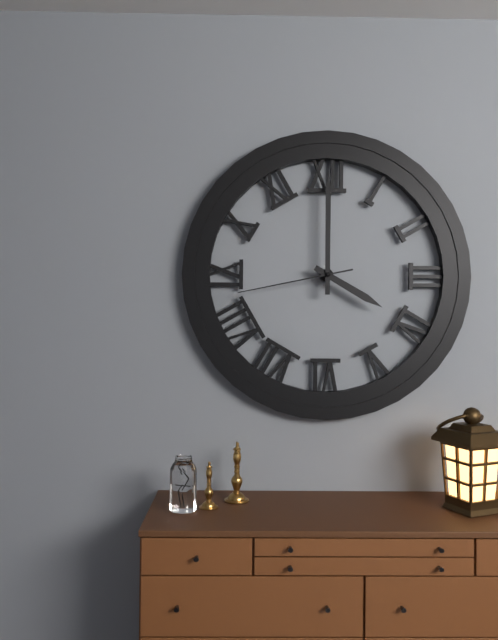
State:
4h00m43s
